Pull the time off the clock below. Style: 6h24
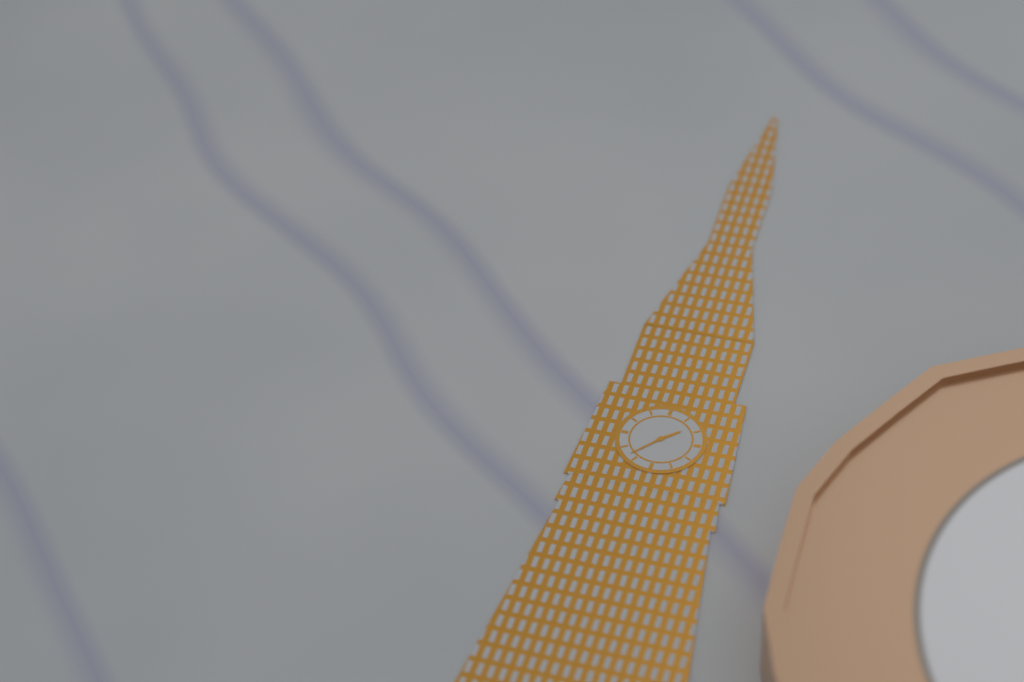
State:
1h37
